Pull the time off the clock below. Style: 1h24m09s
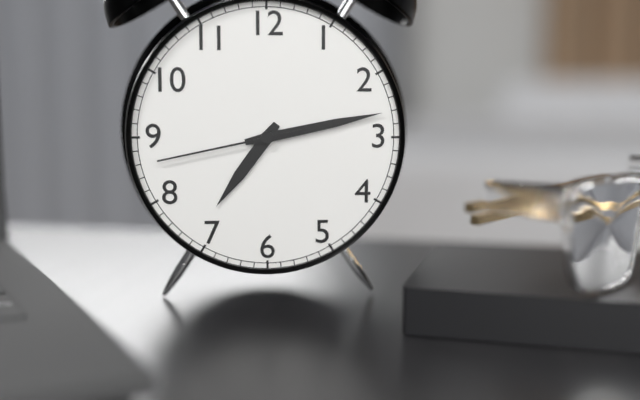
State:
7h13m43s
